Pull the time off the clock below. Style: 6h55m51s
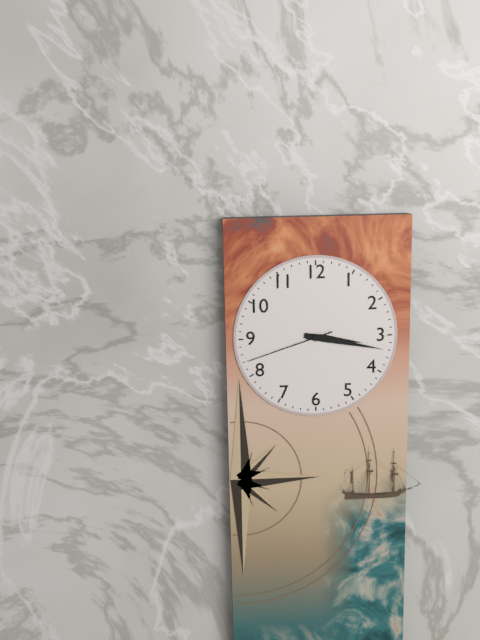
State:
3h17m42s
